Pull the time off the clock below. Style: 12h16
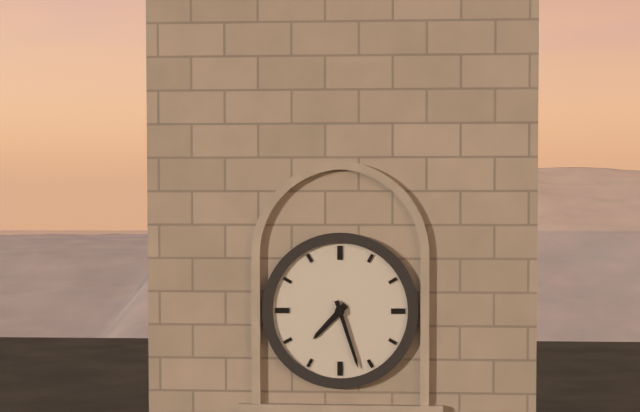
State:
7h27
